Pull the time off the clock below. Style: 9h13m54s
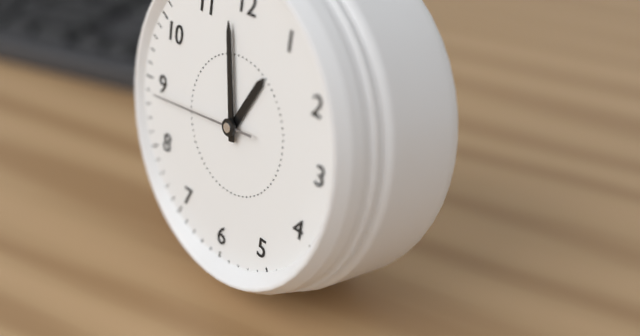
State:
12h58m44s
